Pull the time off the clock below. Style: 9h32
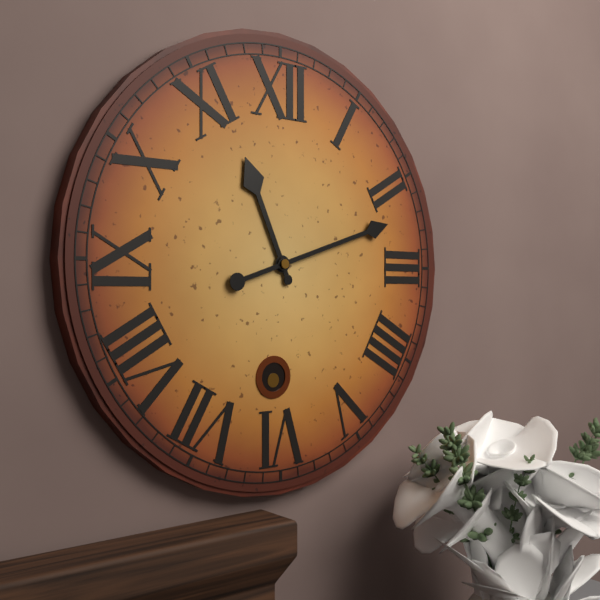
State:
11h12
